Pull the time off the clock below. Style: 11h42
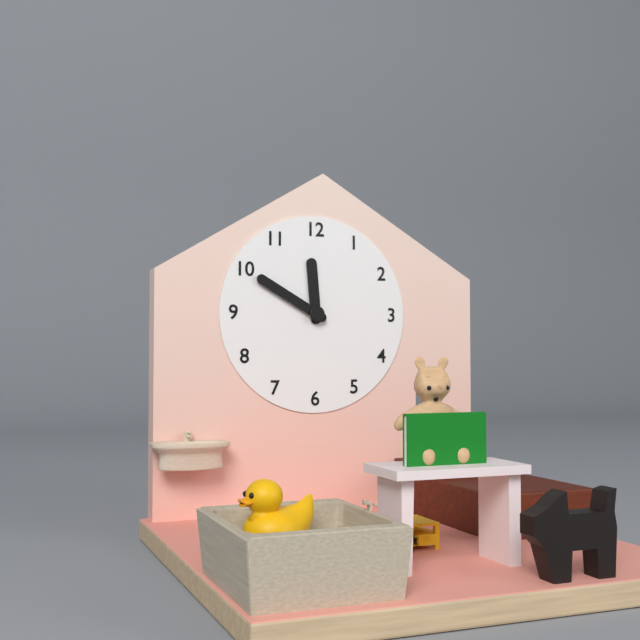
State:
11h50
